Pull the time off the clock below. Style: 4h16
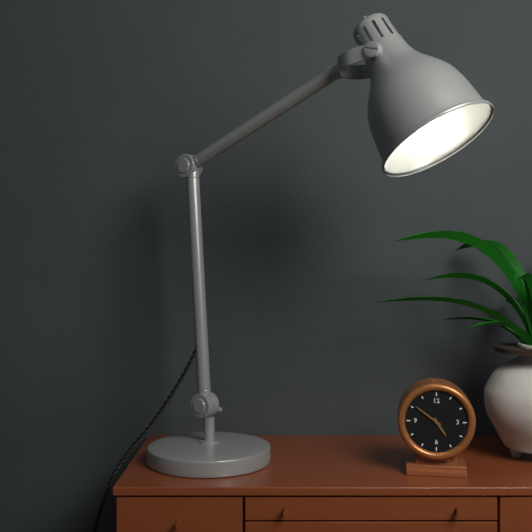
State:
4h51
